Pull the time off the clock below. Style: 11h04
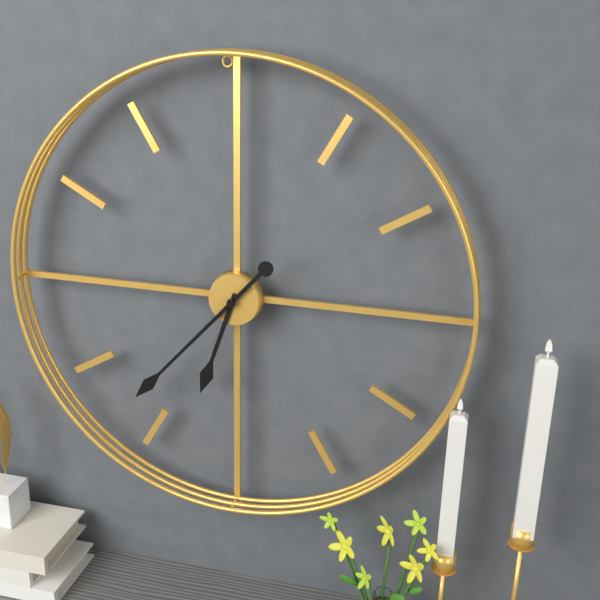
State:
6h37
